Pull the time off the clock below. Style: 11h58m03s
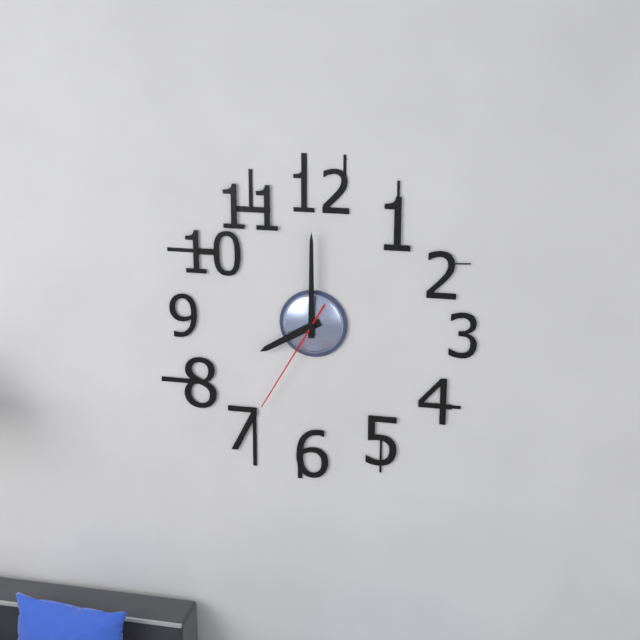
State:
8h00m35s
